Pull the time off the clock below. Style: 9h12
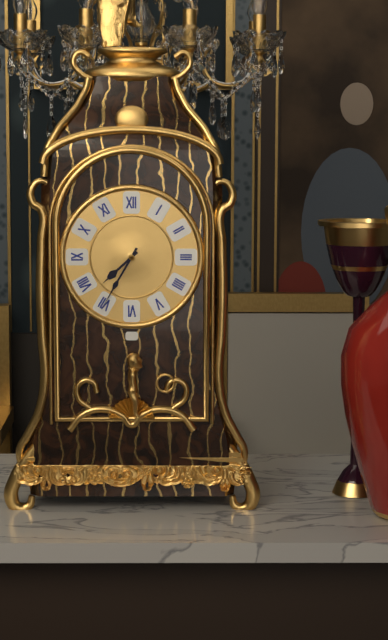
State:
7h35
